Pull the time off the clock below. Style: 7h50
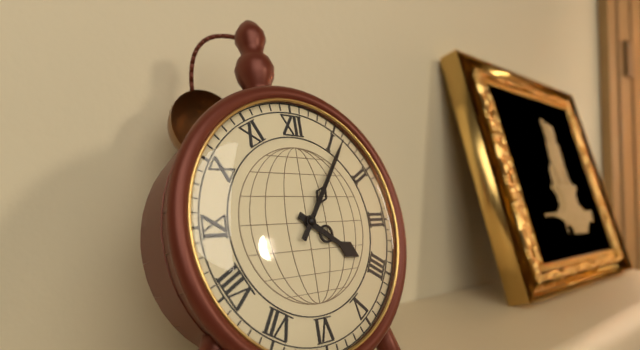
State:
4h06
